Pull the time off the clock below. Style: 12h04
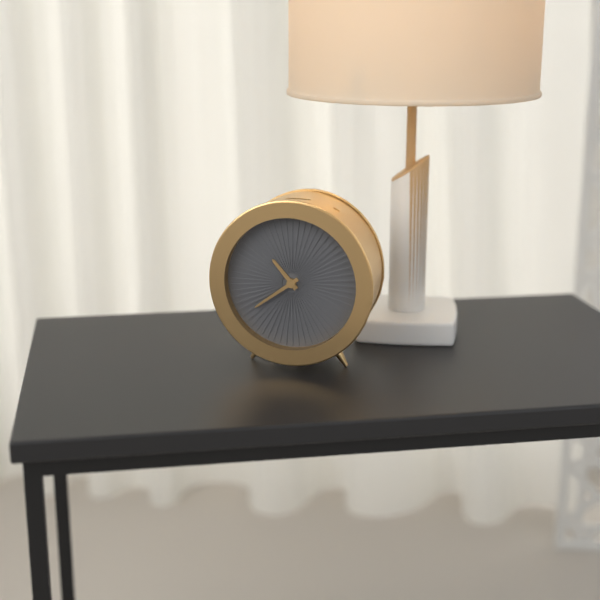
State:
10h39
